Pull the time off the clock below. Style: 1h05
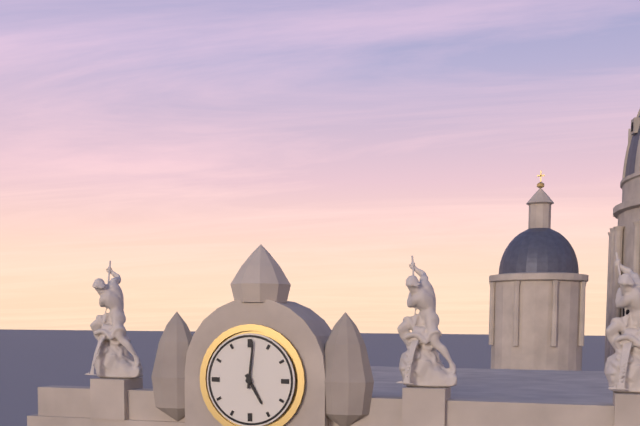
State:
5h01
